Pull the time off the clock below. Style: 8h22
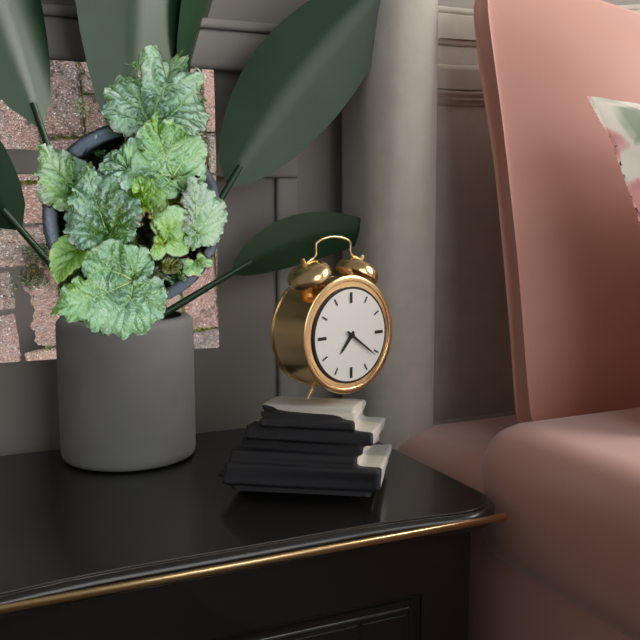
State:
7h21
